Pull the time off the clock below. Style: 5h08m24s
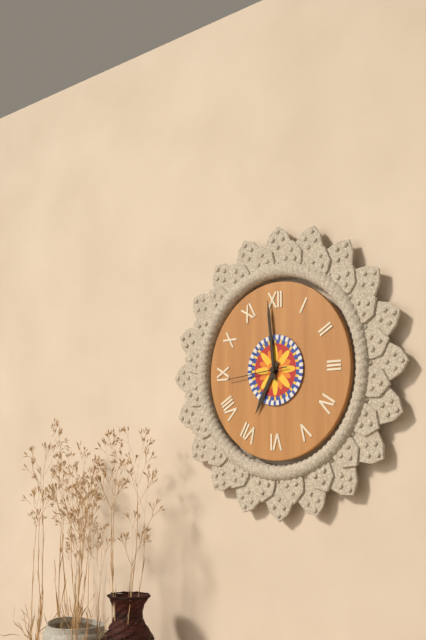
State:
6h59m44s
